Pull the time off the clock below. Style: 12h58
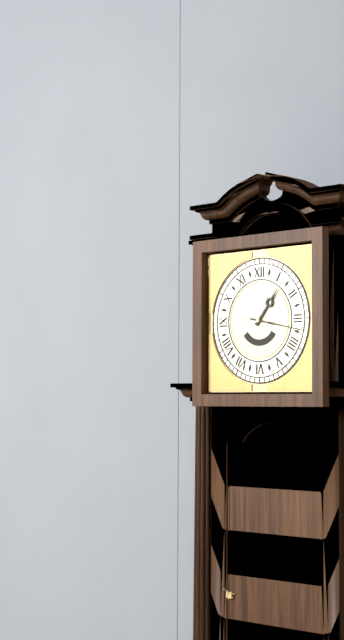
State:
1h17
